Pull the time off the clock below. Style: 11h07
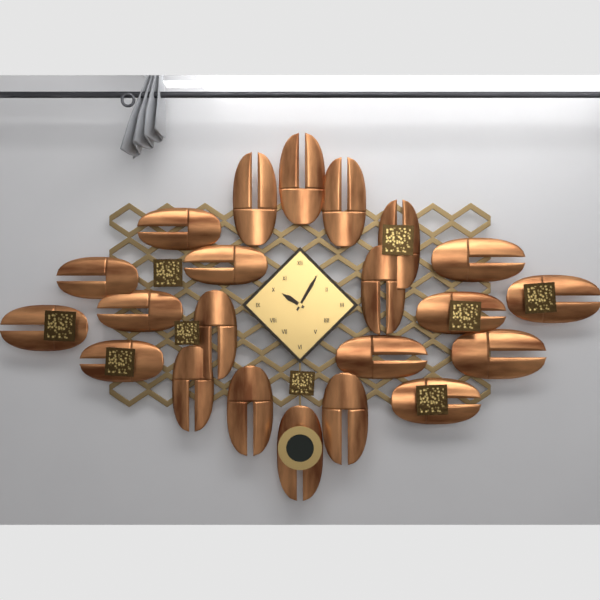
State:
10h05
